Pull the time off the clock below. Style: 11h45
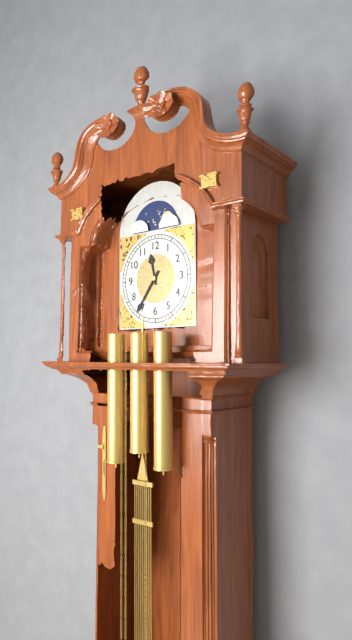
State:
11h36
